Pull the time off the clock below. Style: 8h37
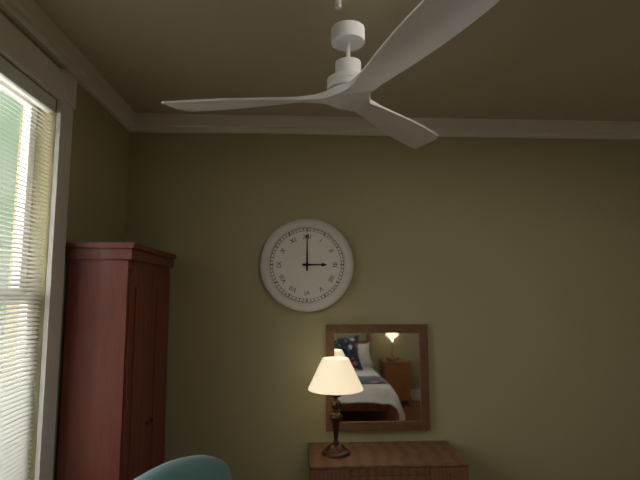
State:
3h00
